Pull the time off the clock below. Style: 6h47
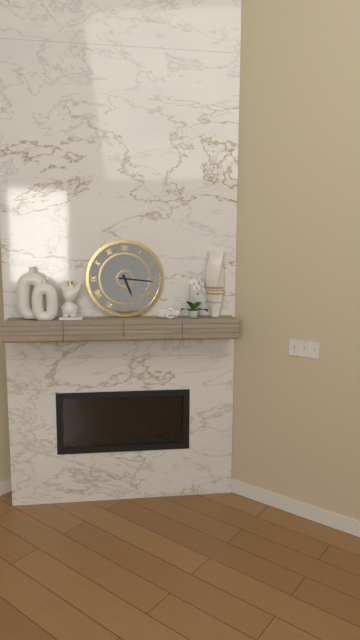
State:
5h16
